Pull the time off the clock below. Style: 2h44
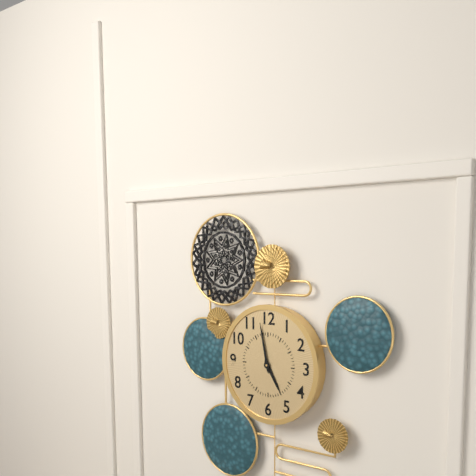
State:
4h58
